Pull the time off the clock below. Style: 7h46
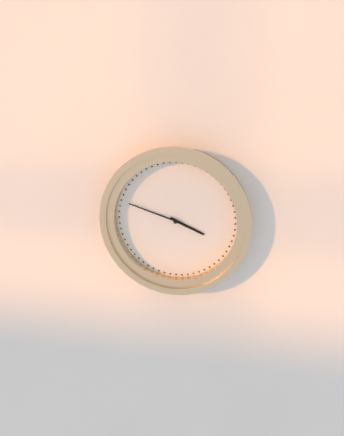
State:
3h48
